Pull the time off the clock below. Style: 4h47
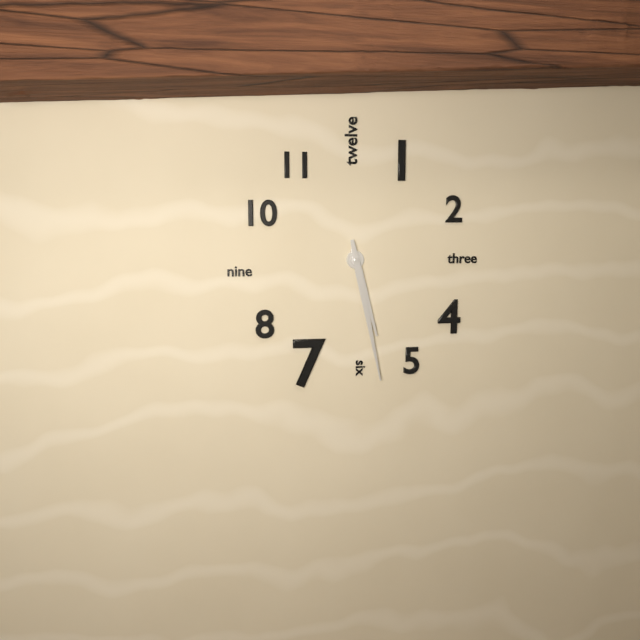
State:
5h28
